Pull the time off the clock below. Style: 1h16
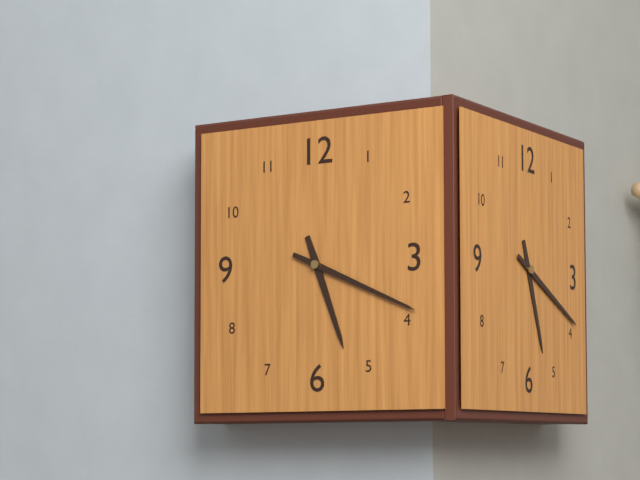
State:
5h19
